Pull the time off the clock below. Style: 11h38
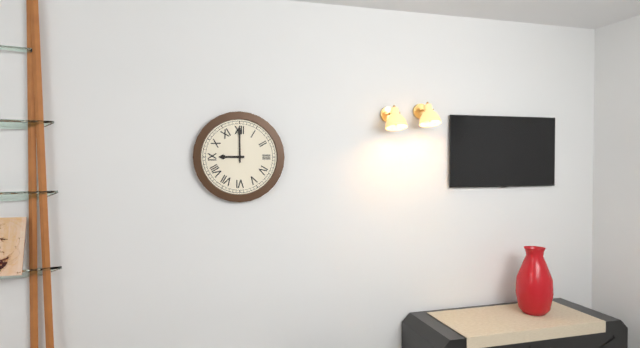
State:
9h00
